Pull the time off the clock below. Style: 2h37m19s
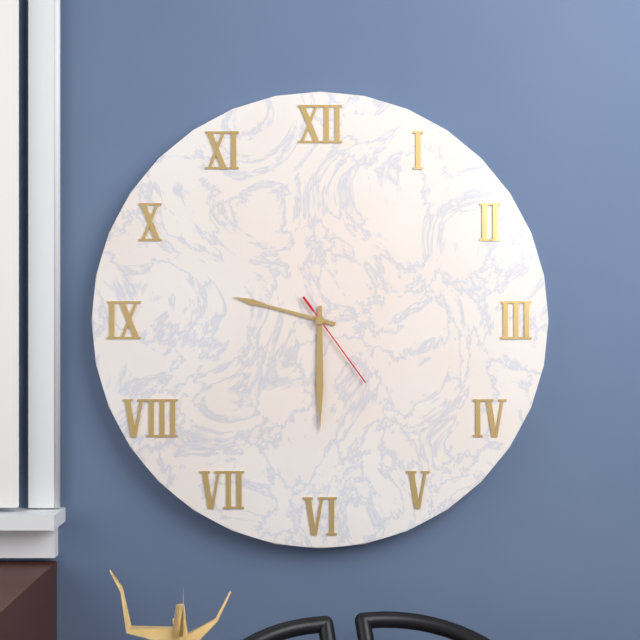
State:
9h30m24s
